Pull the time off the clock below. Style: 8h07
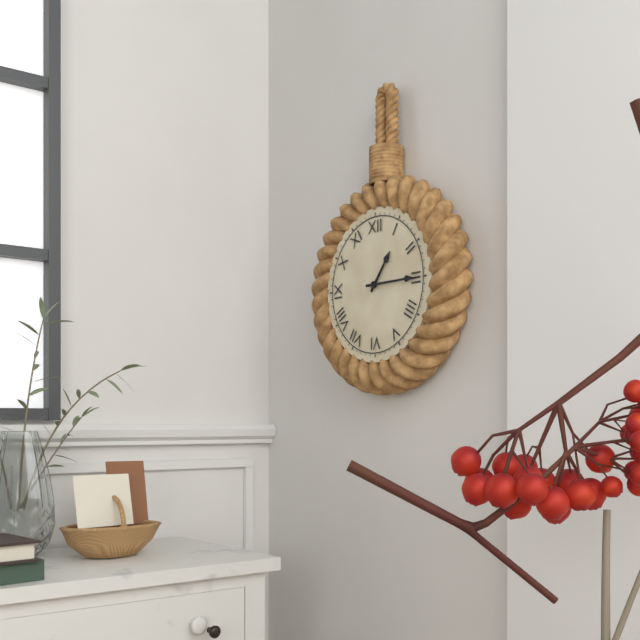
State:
1h15
